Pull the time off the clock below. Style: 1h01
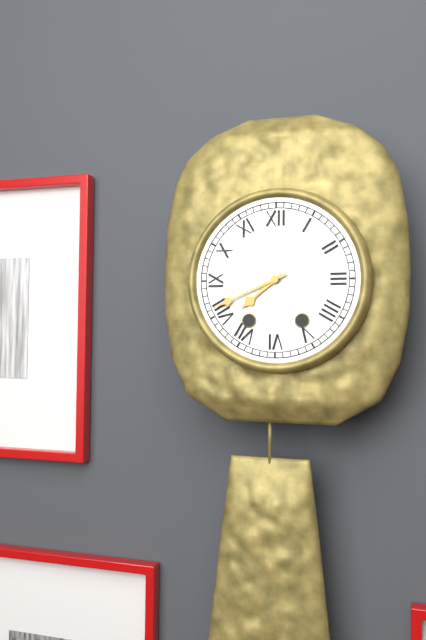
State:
7h41
